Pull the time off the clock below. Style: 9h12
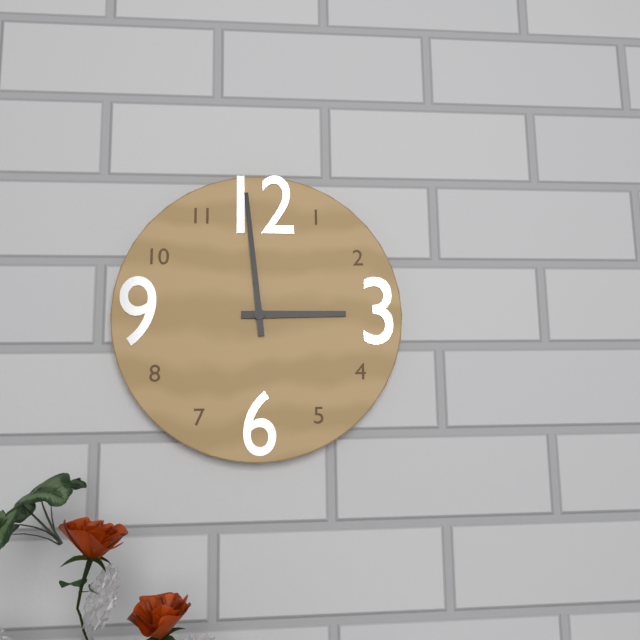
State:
2h59
